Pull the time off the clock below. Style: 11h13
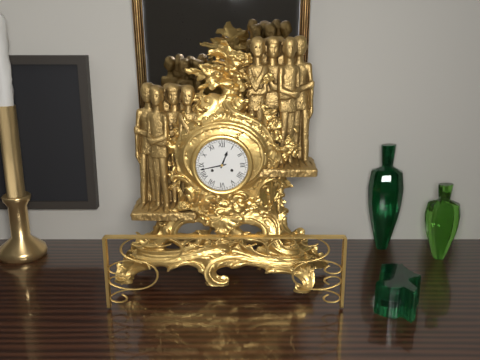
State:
12h43
